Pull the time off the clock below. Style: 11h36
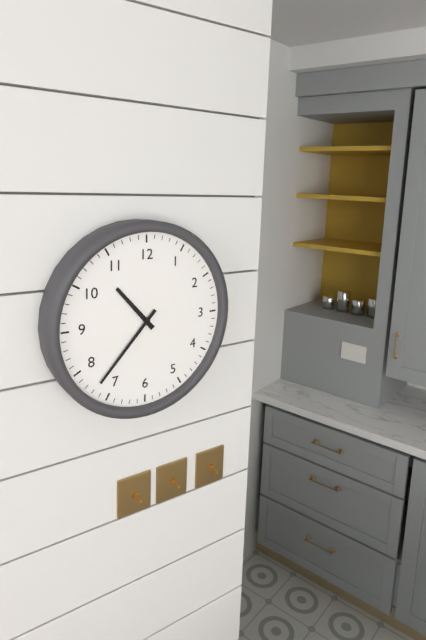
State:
10h37
